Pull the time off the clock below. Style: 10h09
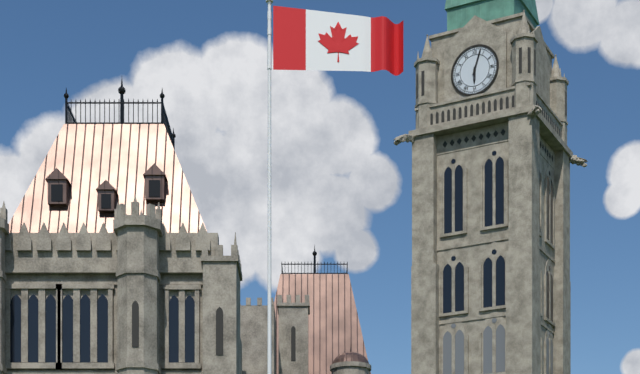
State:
6h03
